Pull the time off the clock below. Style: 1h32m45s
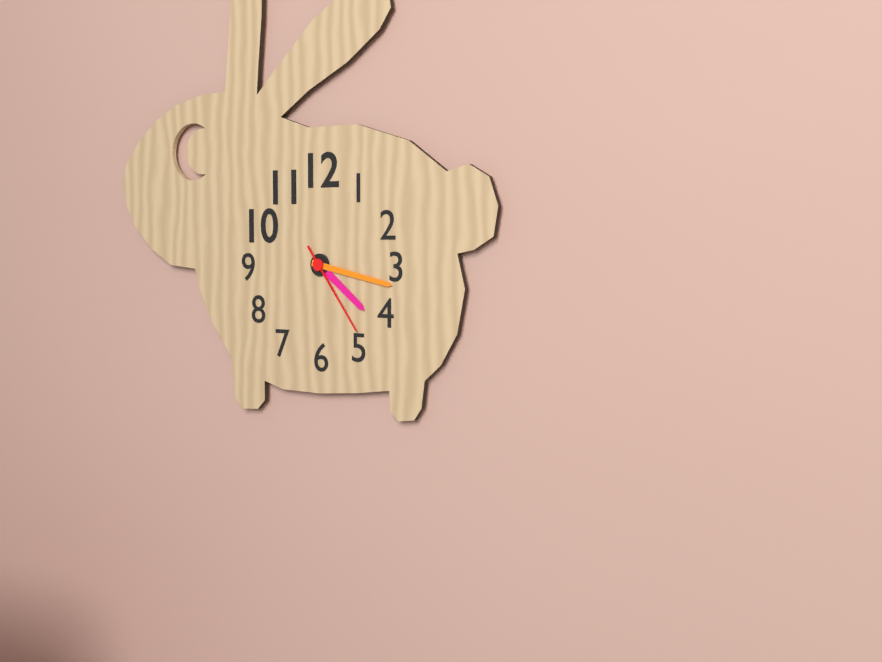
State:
4h17m24s
